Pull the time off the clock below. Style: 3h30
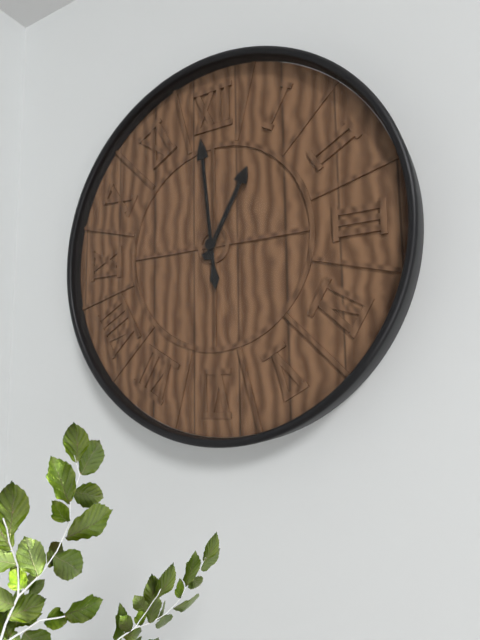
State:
12h59
